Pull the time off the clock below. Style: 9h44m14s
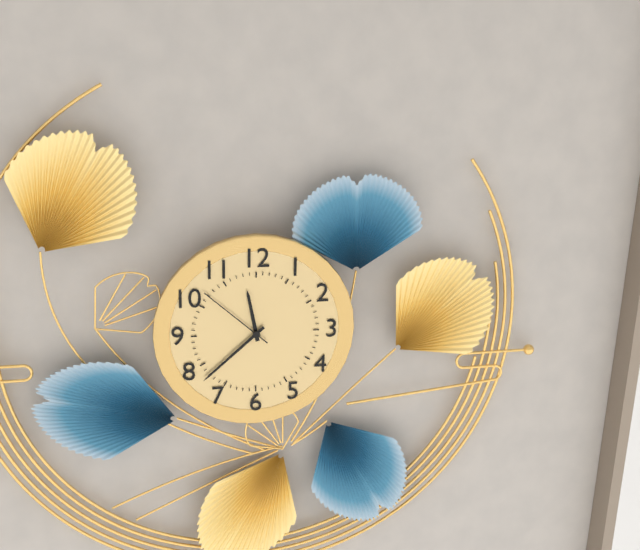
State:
11h38m52s
